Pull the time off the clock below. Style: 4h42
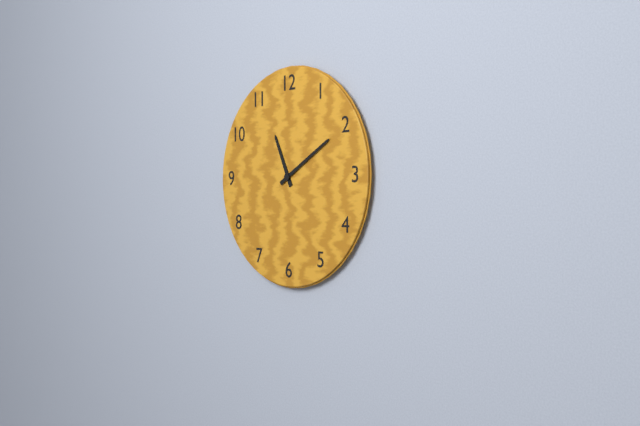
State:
11h10
